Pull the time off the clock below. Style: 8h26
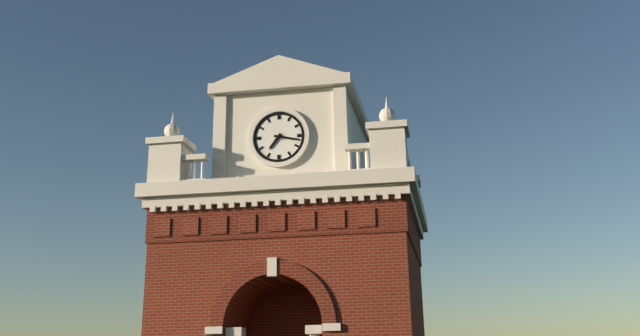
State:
7h17
